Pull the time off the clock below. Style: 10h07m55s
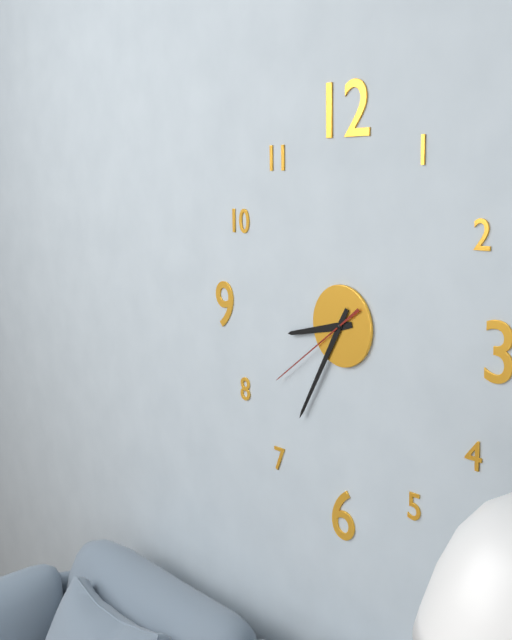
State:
8h35m39s
